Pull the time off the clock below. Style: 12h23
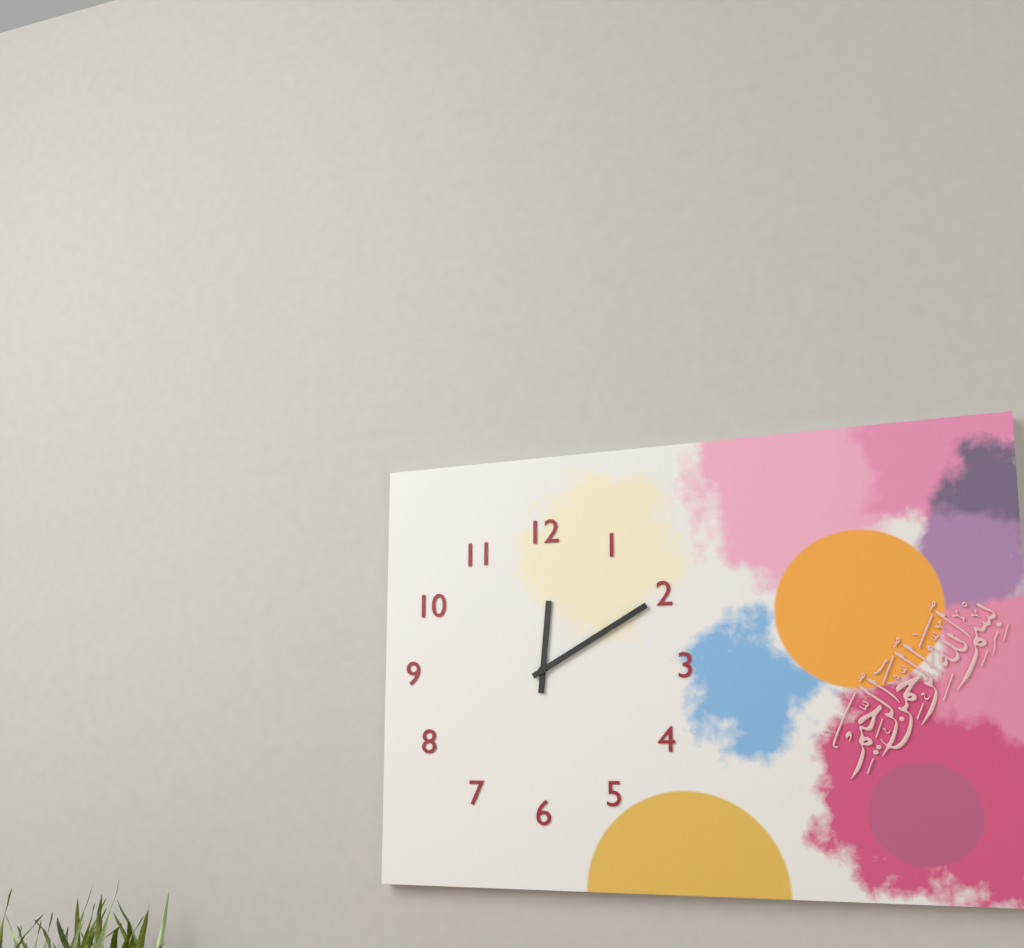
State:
12h10
